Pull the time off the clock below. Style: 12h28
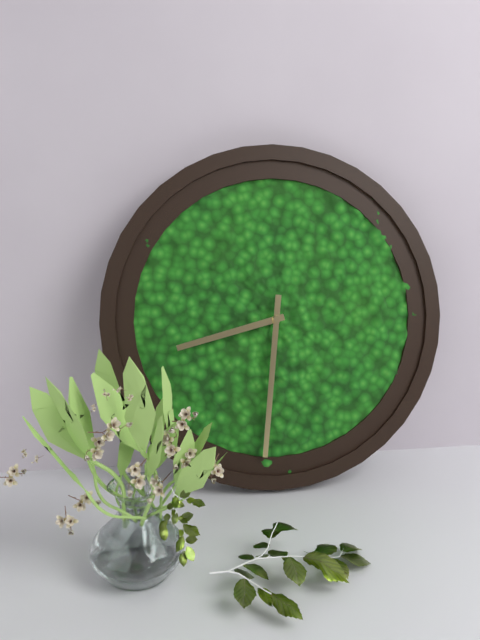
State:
8h31
